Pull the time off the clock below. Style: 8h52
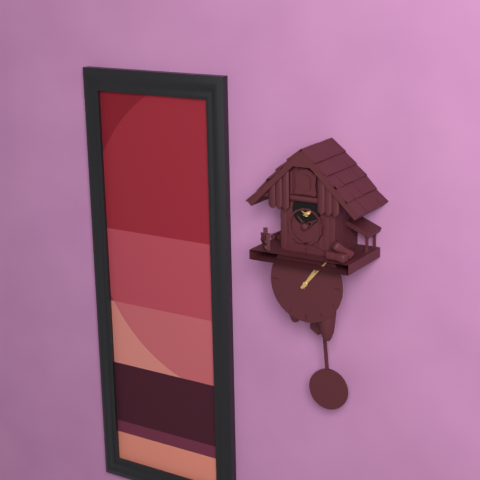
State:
1h07
